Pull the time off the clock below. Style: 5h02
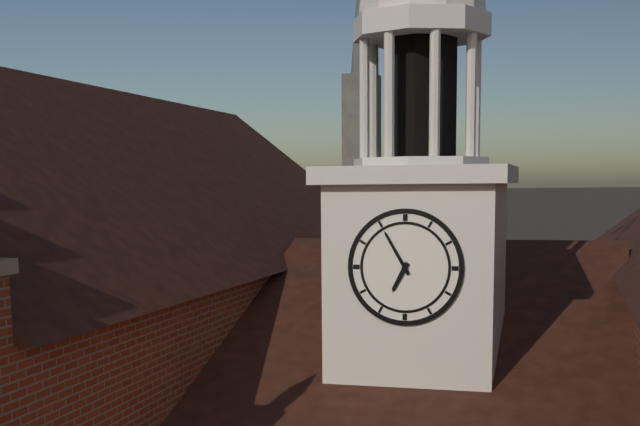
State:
6h55
